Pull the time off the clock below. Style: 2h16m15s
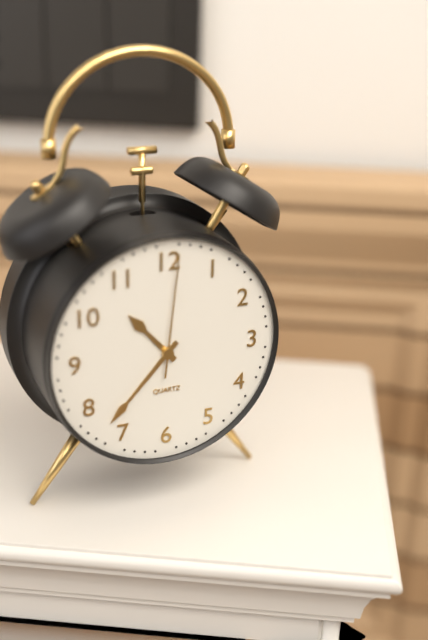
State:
10h37m01s
